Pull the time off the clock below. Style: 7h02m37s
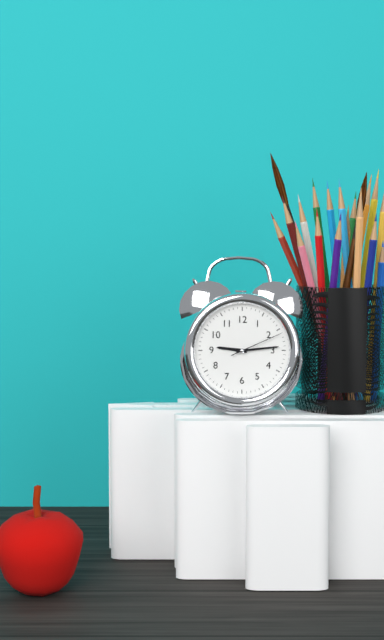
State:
9h14m11s
